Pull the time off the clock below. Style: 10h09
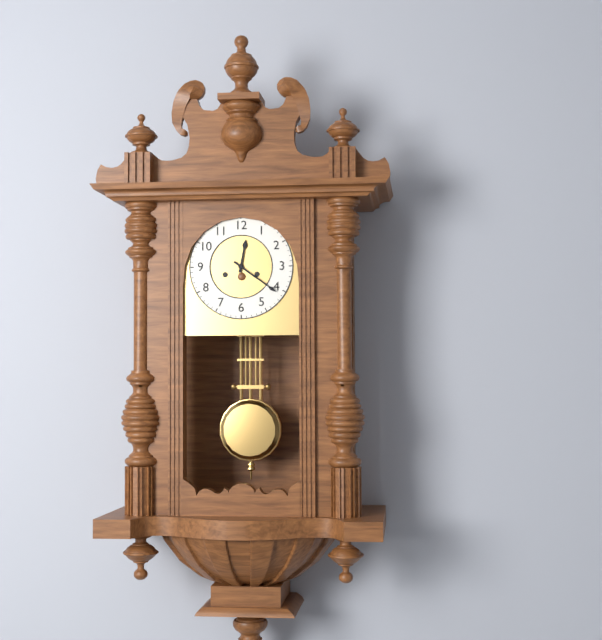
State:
12h21
